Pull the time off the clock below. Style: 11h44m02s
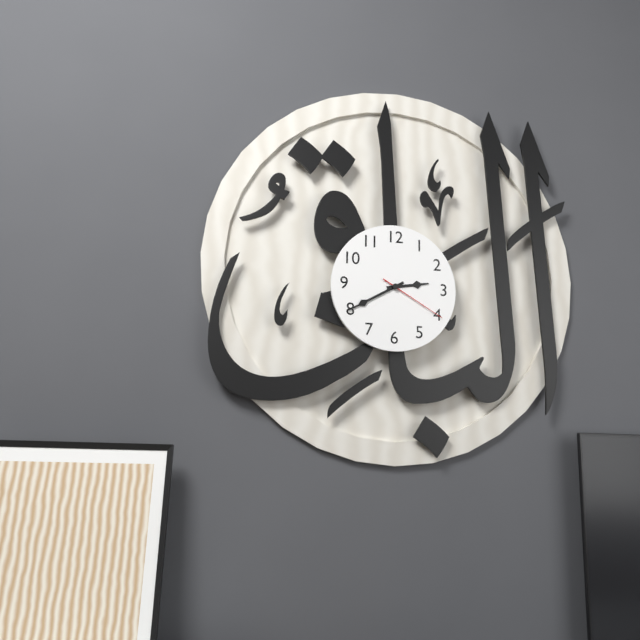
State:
2h40m20s
